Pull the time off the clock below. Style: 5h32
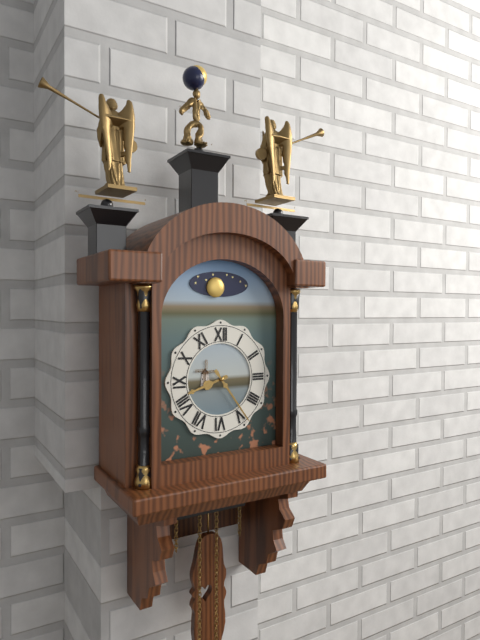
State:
8h24
